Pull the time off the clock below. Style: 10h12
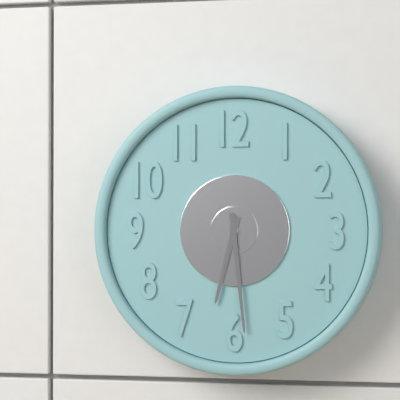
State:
6h29
